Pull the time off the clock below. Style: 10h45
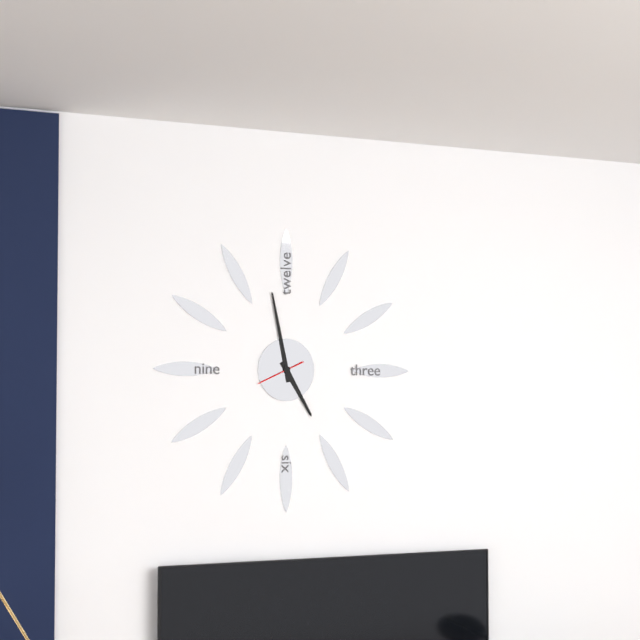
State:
4h58
